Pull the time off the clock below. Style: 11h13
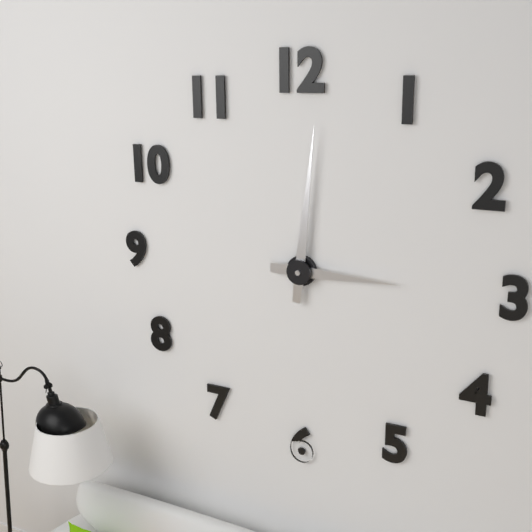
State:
3h01
